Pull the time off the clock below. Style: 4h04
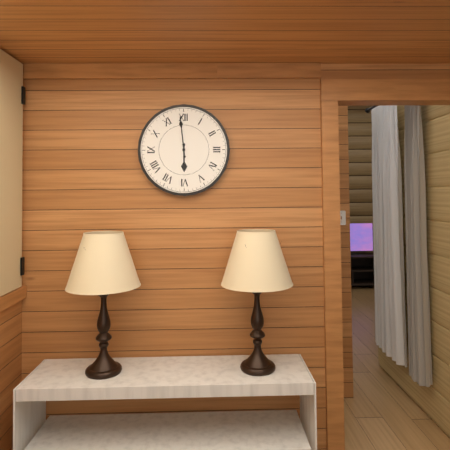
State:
5h59
